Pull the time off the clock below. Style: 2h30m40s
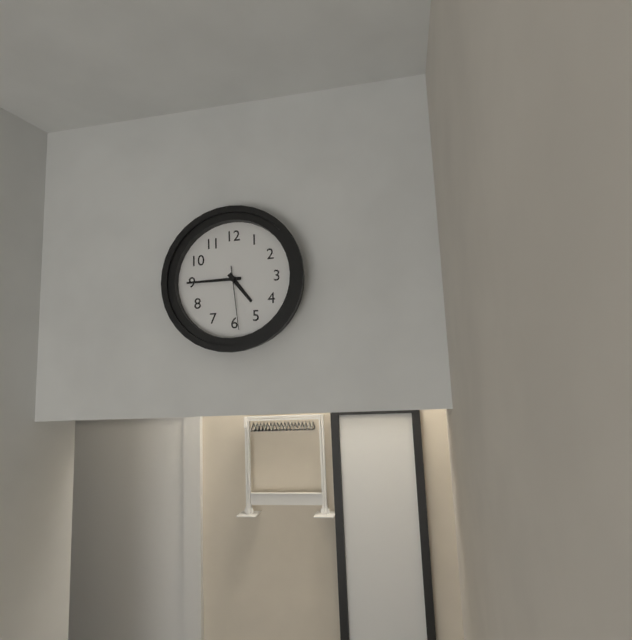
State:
4h45m29s
